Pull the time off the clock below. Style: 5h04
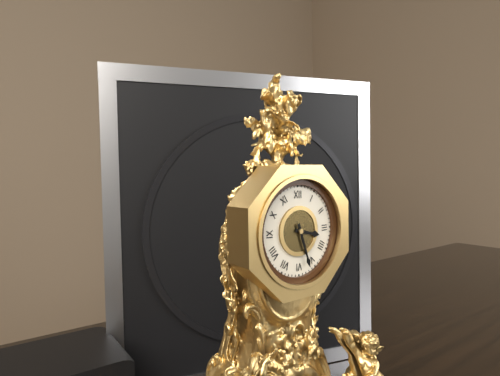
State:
3h27
